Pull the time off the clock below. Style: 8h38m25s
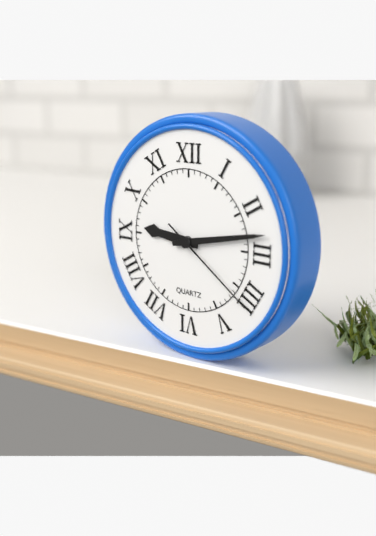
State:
9h13m21s
